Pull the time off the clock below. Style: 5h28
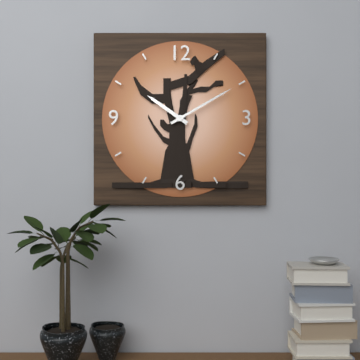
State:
10h10
